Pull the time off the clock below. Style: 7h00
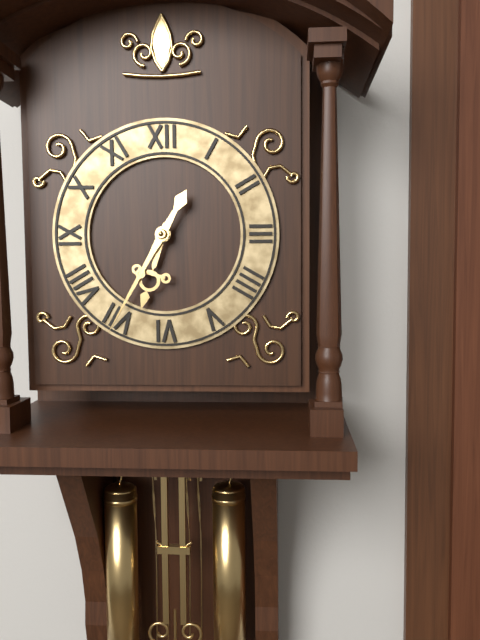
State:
6h35
